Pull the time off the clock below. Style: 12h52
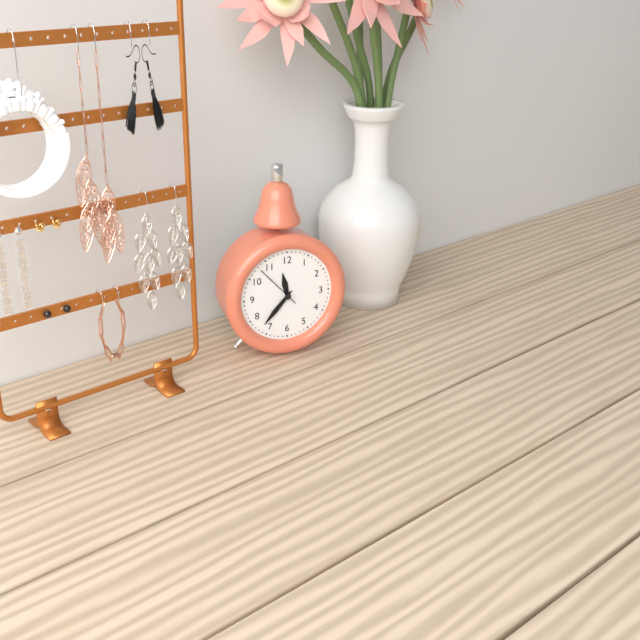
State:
11h37
